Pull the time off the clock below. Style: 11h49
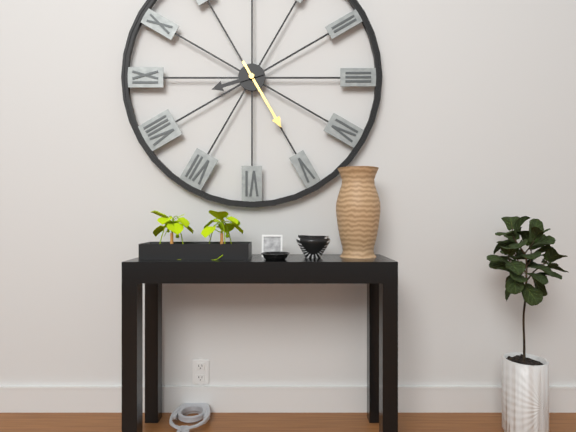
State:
8h25
